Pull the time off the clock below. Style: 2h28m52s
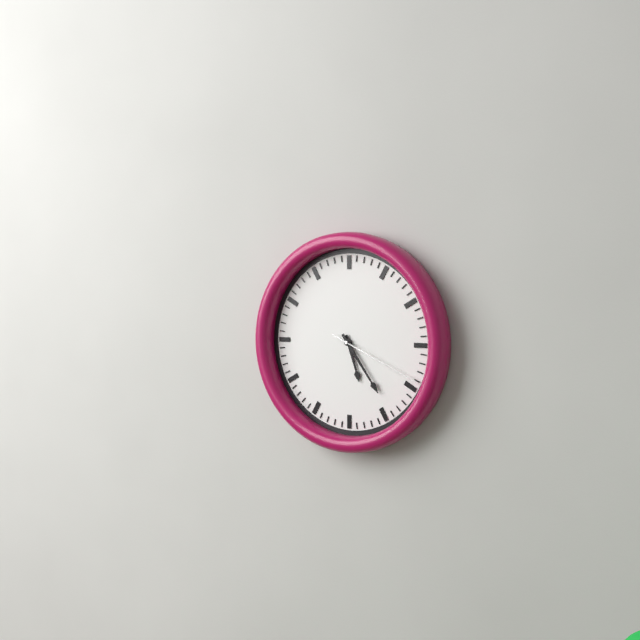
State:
5h24m19s
